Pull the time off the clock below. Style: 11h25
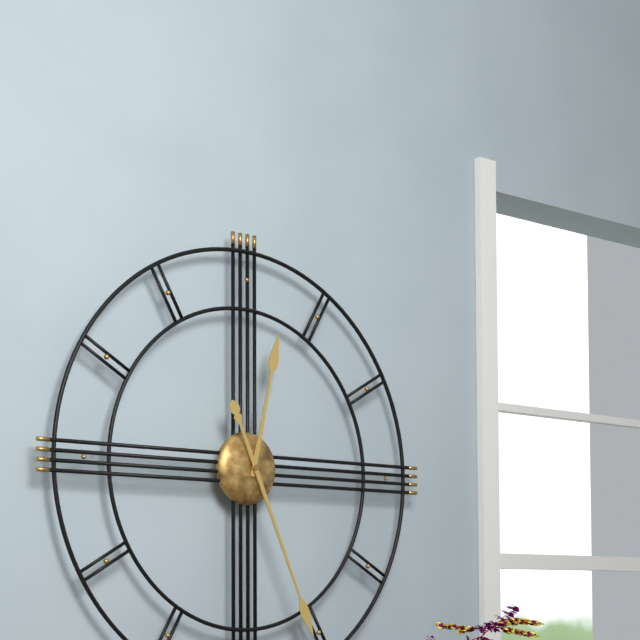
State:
12h26
